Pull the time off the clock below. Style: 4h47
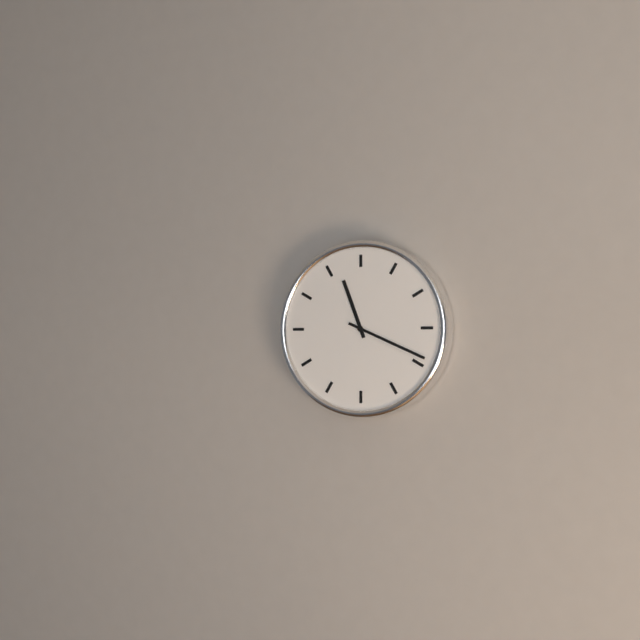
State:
11h19
